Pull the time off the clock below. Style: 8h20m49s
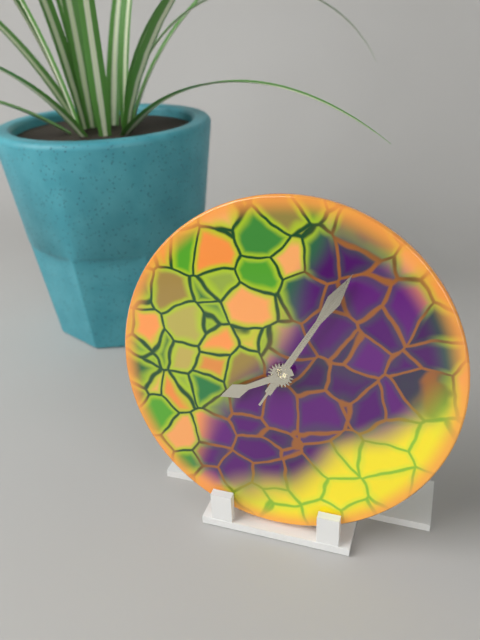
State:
8h05m05s
